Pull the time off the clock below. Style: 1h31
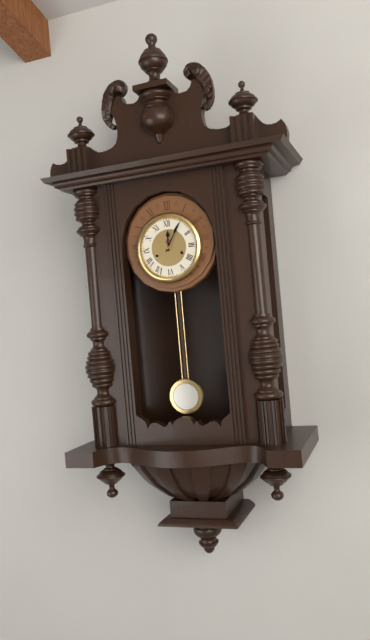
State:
12h05
